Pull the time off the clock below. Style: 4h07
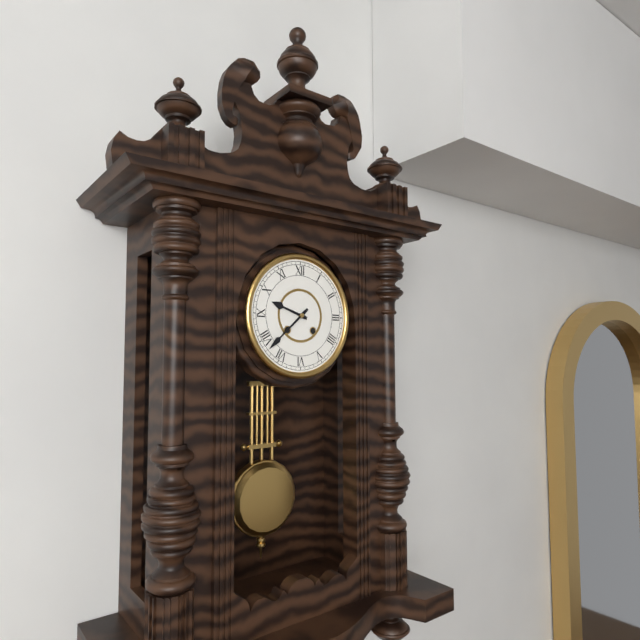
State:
9h38
